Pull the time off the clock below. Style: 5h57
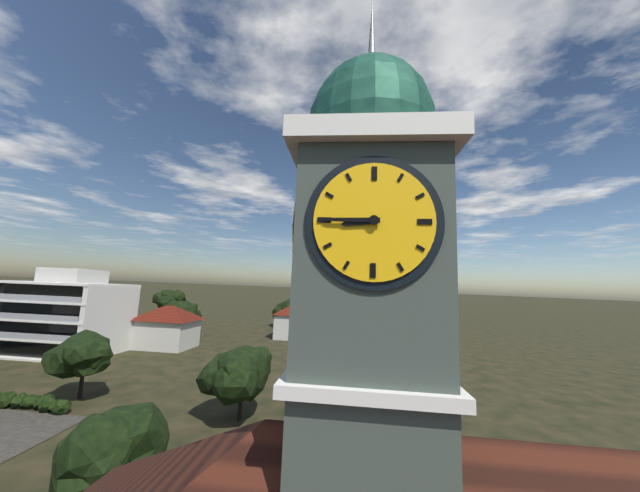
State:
8h45
